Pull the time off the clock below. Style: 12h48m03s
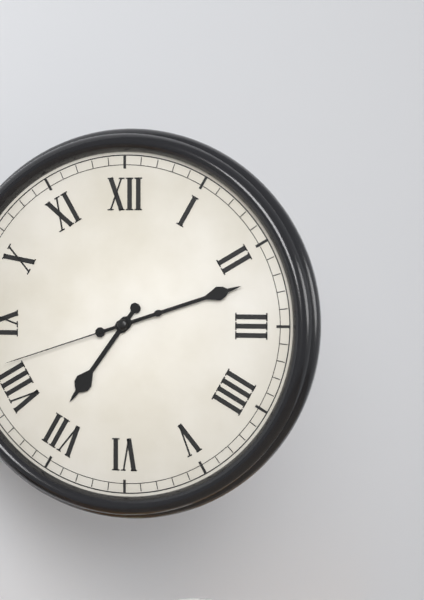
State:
7h12m42s
